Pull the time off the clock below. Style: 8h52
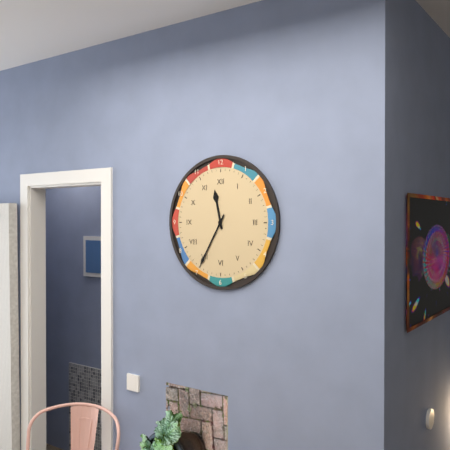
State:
11h35
